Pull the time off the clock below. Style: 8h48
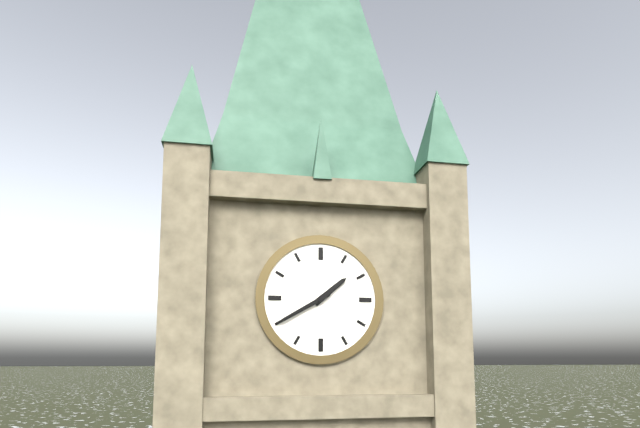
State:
1h40
